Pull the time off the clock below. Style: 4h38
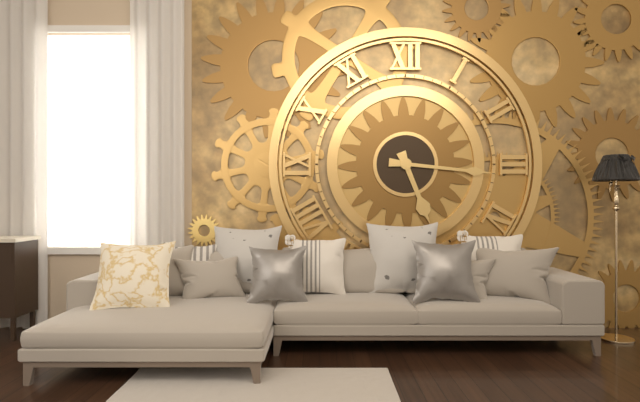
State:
5h16
